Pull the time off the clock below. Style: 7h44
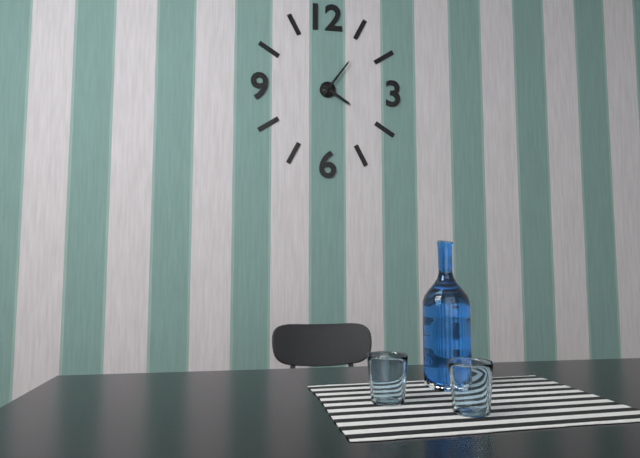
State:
4h06
